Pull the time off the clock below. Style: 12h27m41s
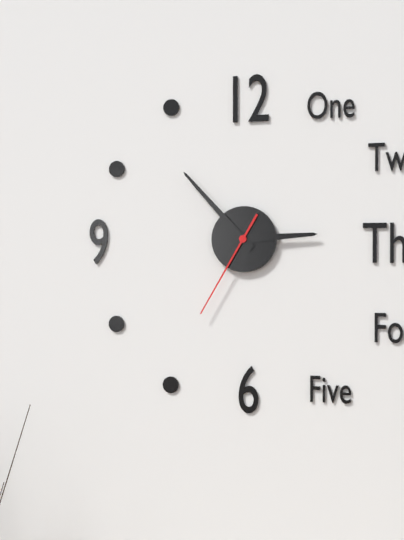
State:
2h53m35s
